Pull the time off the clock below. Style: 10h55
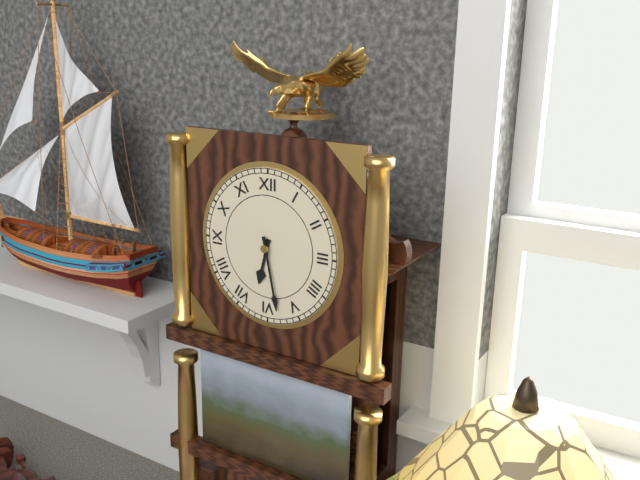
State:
6h28
